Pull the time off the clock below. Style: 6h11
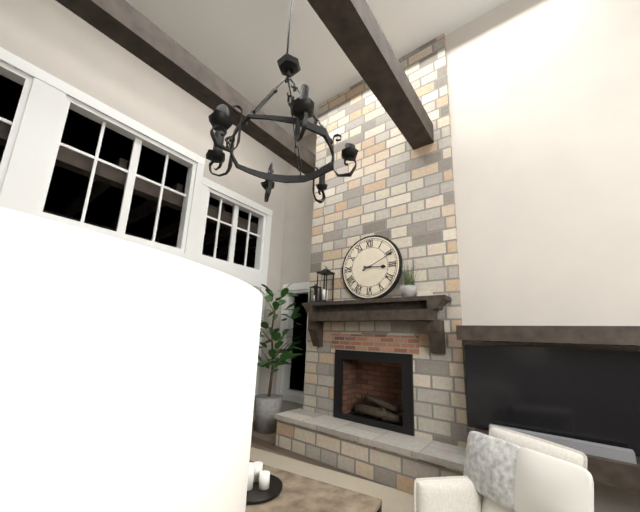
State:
3h11
